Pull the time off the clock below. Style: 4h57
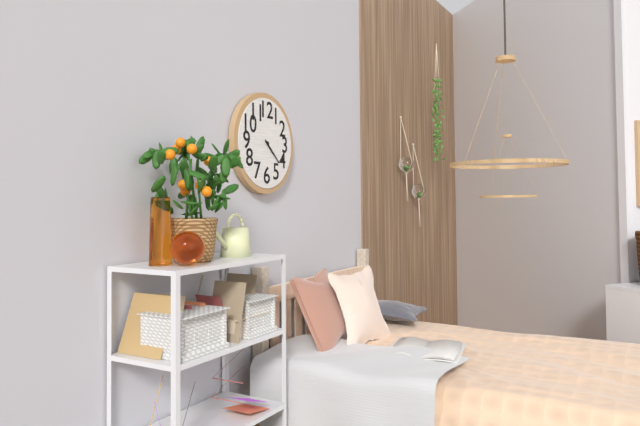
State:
4h22
